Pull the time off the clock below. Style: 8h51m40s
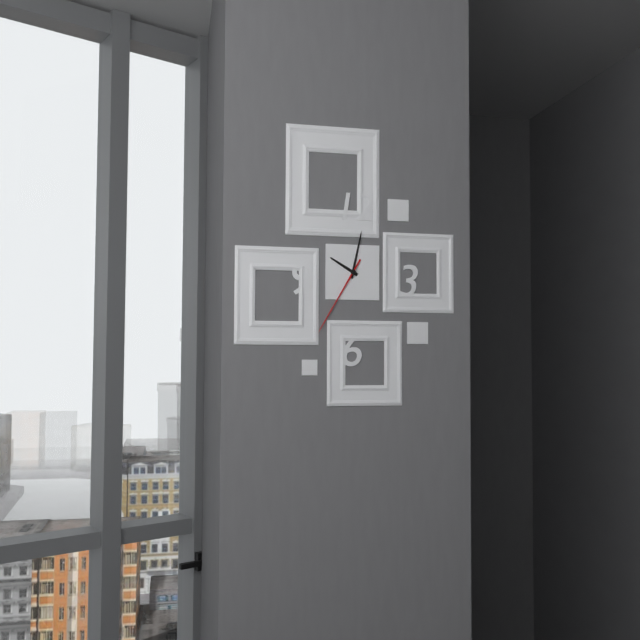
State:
10h02m35s
